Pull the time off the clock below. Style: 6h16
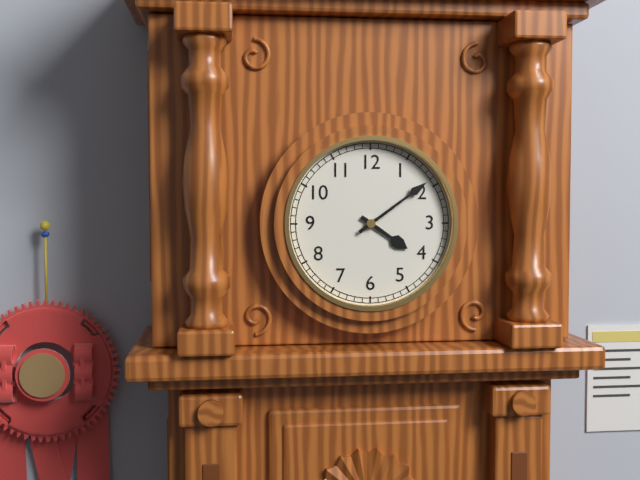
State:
4h09
